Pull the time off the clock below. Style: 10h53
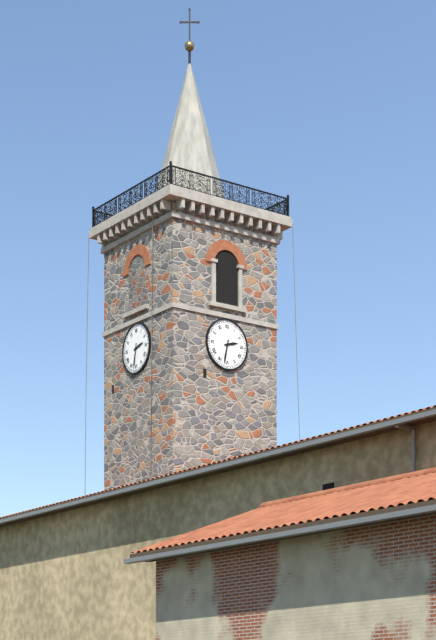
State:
2h32
